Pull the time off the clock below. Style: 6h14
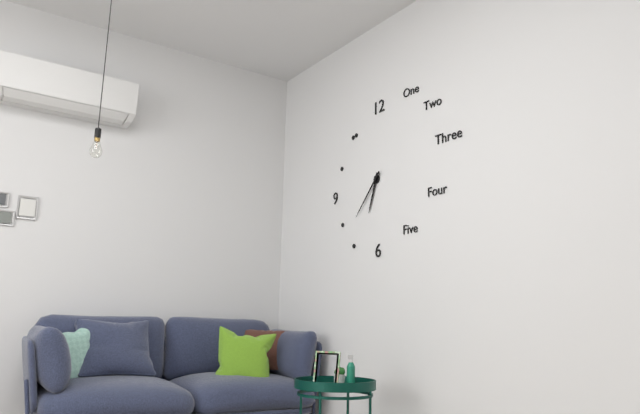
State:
6h37
